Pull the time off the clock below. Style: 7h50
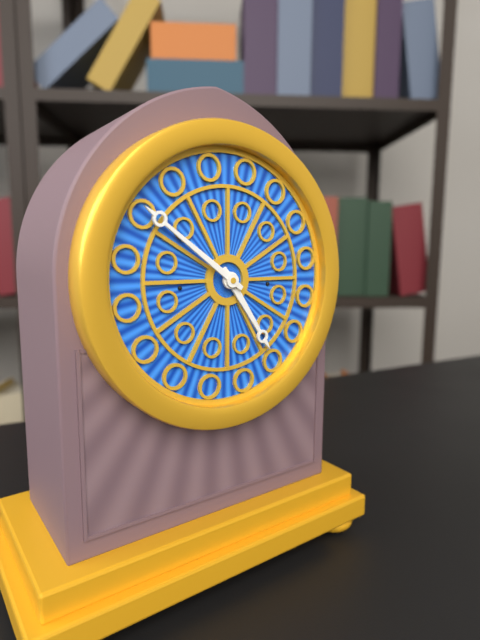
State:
4h51
